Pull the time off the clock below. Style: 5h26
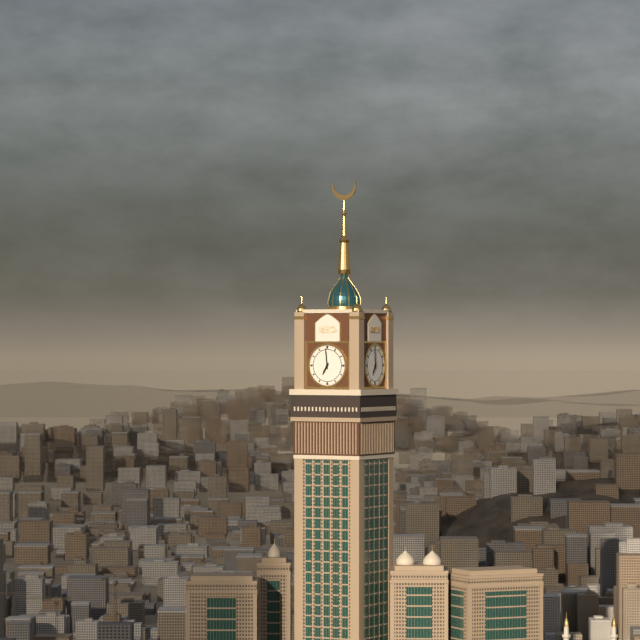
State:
6h59
